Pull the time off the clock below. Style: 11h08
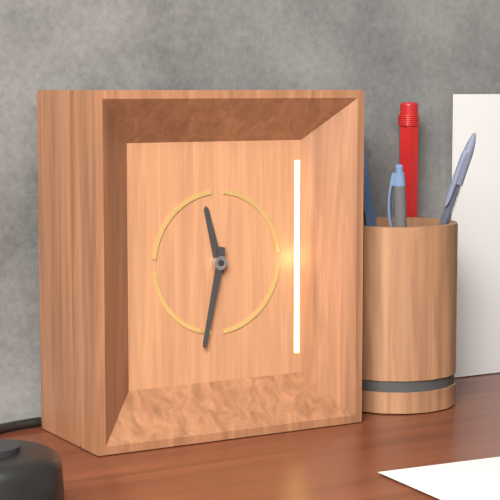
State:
11h32
